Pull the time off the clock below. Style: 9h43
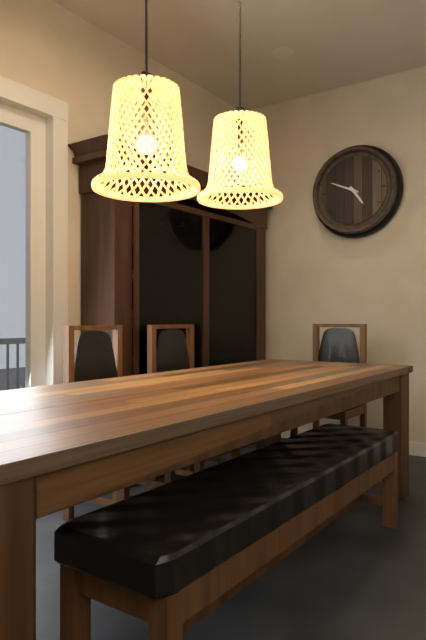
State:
4h49
